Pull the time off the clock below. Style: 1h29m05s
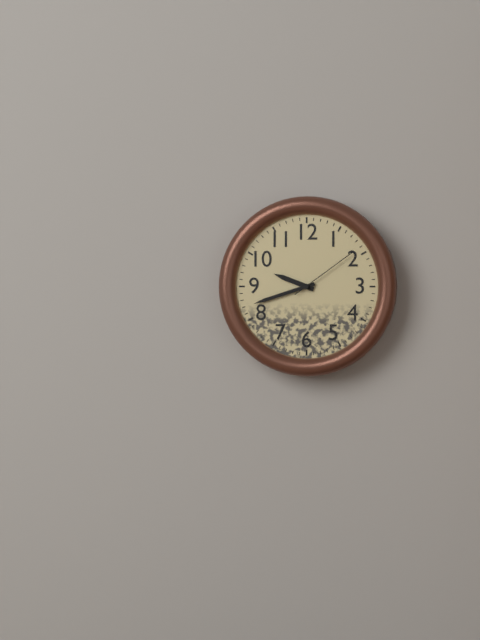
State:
9h42m09s
